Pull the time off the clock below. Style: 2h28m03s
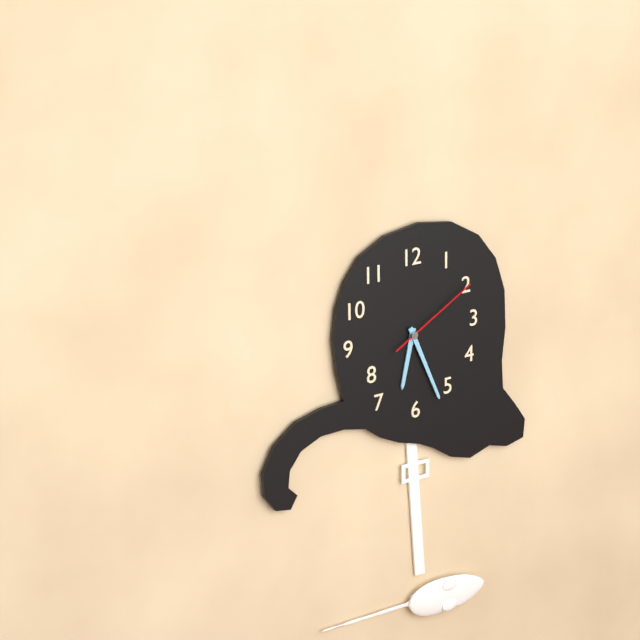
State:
6h26m10s
